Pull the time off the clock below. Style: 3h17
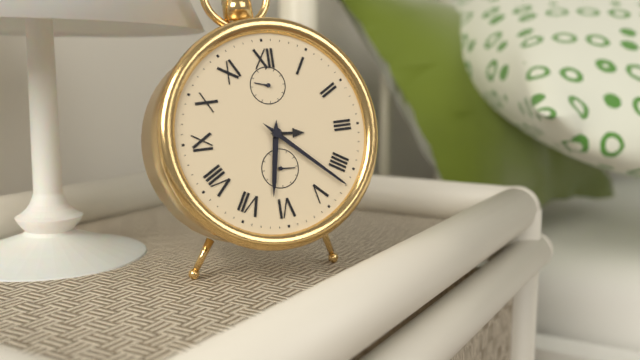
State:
6h22
